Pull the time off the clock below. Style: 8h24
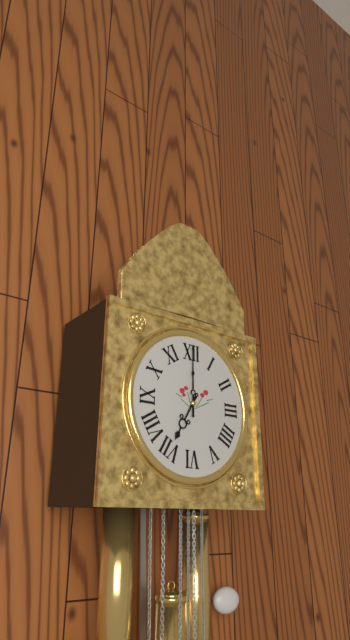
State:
7h00
